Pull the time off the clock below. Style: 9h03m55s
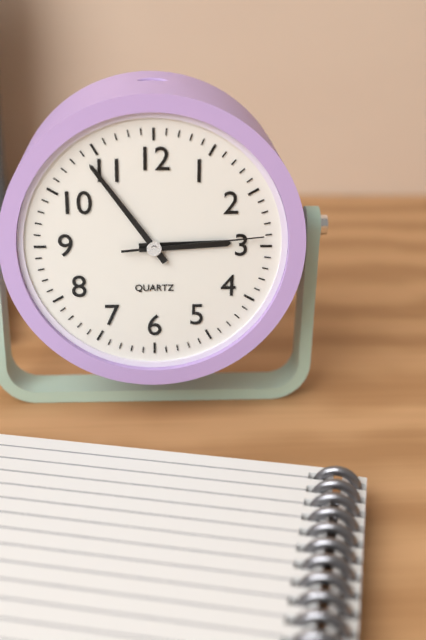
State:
2h54m14s
